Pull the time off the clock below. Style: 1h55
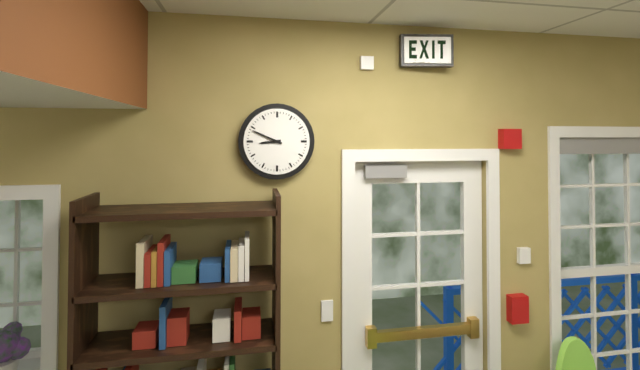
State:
8h49
